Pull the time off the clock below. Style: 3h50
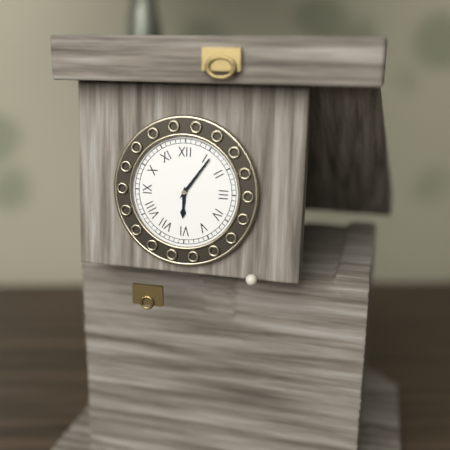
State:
6h06
